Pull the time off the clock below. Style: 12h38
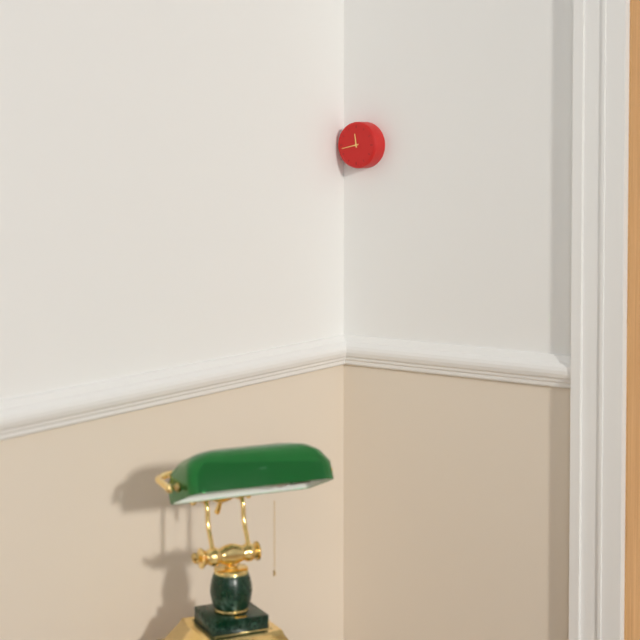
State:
11h43
